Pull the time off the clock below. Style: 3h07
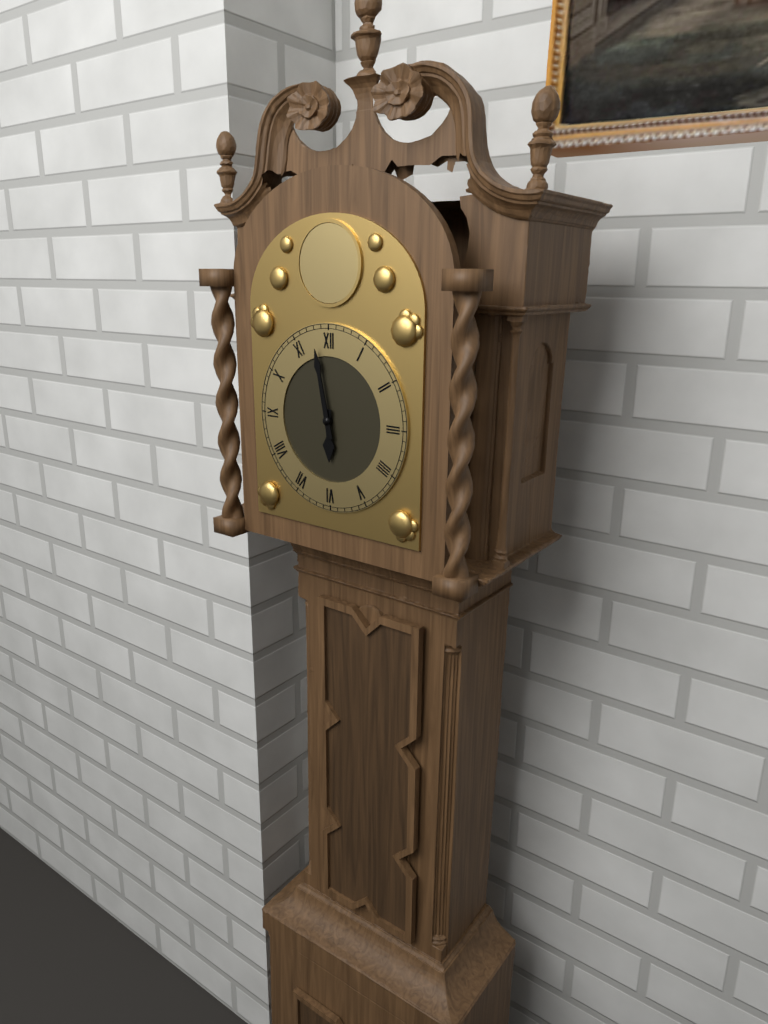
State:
5h58
